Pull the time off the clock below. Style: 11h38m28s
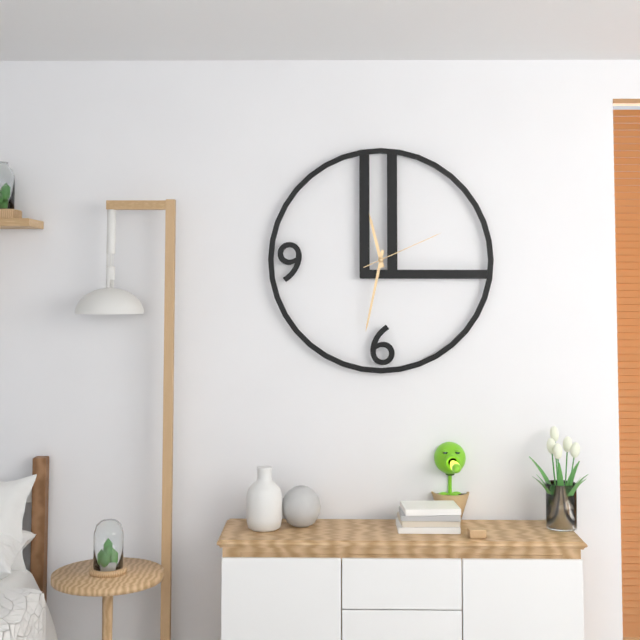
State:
11h32m11s
